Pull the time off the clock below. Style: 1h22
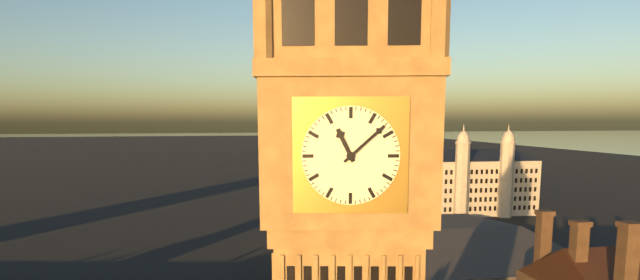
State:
11h08
